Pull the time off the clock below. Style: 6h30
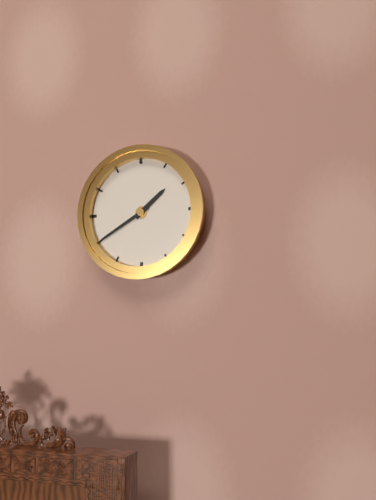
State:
1h40
